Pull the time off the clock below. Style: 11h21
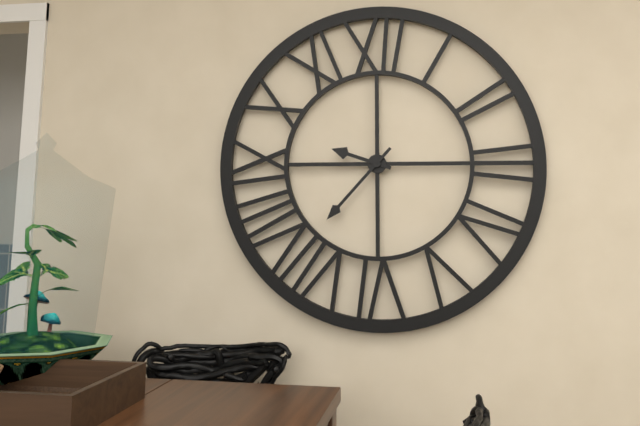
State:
9h37
